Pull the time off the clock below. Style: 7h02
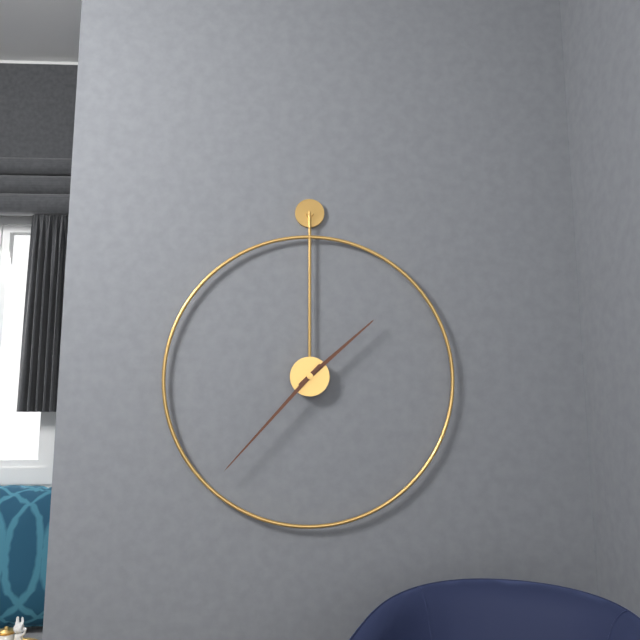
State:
1h37
